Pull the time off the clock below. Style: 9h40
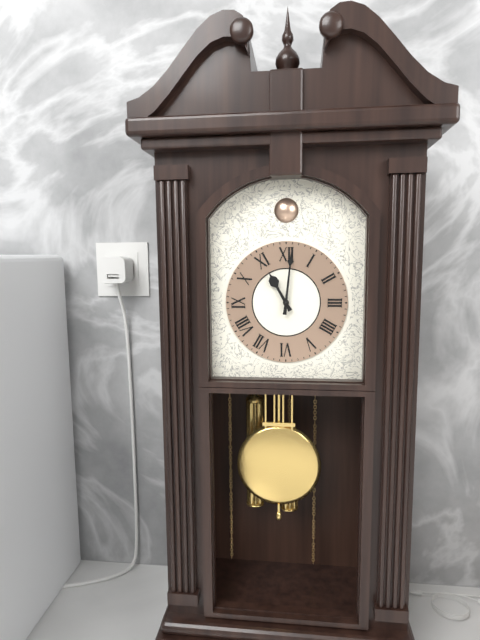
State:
11h01
